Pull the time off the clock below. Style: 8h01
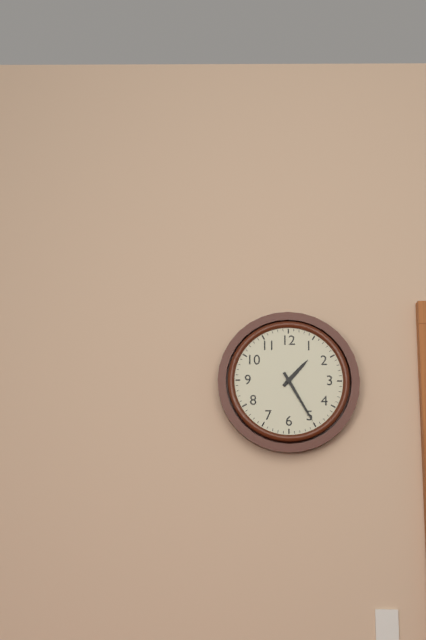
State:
1h25
